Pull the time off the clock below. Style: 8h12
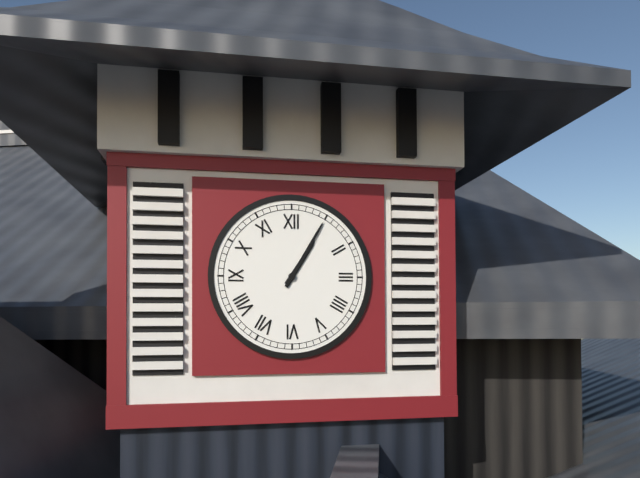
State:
1h05
